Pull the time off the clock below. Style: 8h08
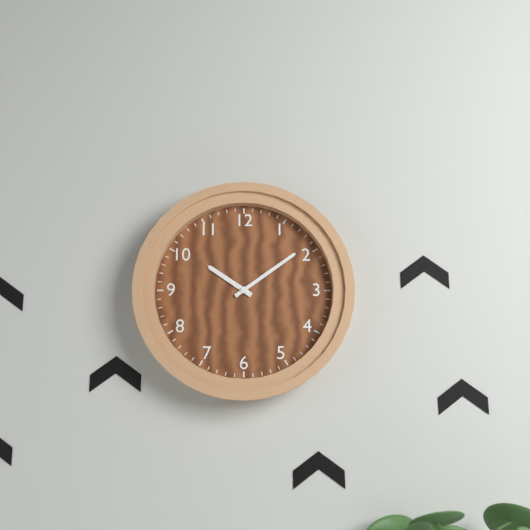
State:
10h09
